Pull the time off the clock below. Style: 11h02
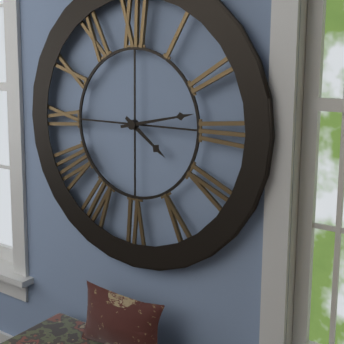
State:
4h13
